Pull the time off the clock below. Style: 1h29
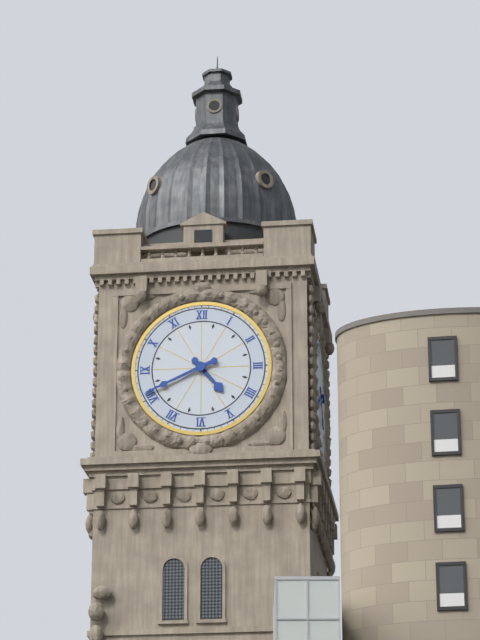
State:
4h41
